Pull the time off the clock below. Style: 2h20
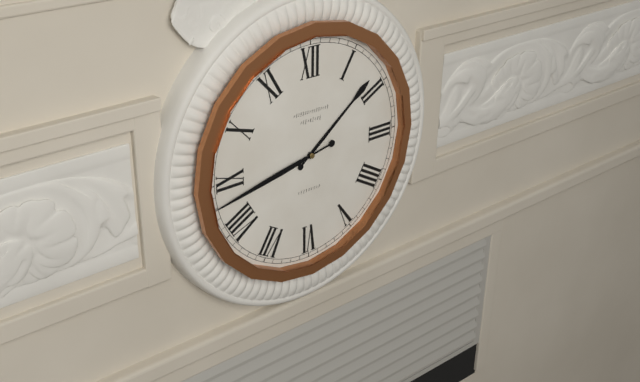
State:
1h43
